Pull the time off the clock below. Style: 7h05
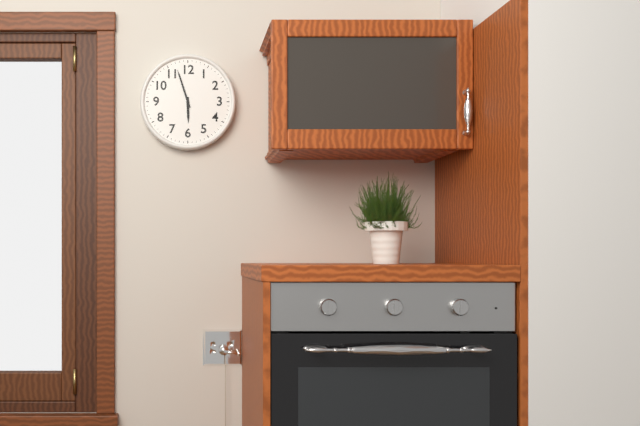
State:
5h57
